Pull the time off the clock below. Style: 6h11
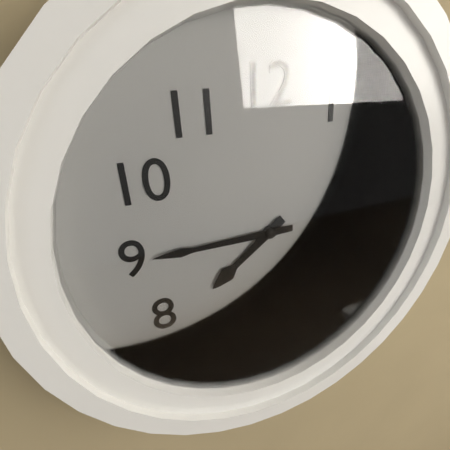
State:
7h45
